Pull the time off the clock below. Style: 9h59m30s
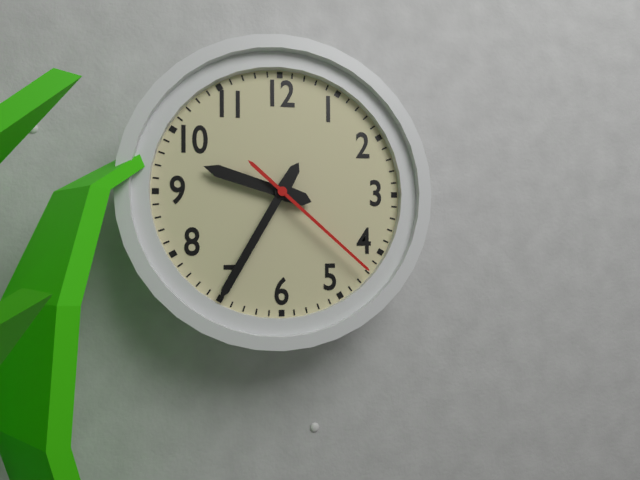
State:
9h35m22s
